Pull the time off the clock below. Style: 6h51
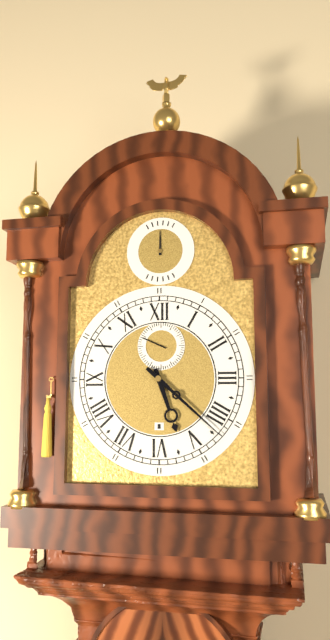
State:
5h22
